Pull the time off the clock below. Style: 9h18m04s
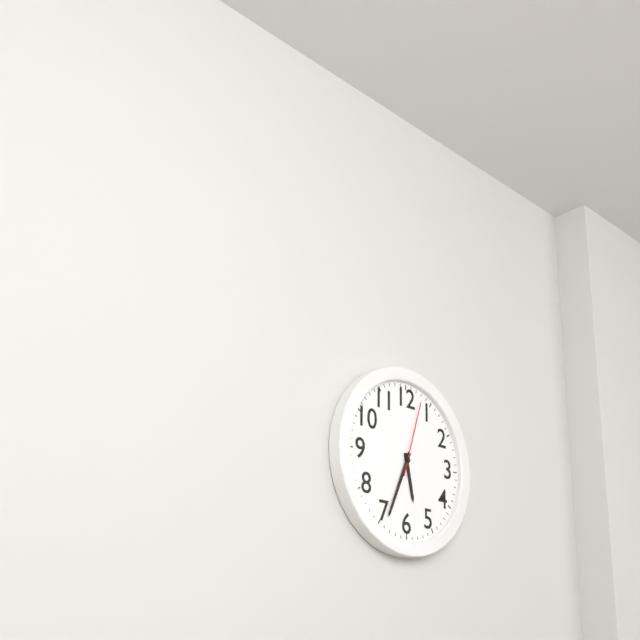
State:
5h34m03s
